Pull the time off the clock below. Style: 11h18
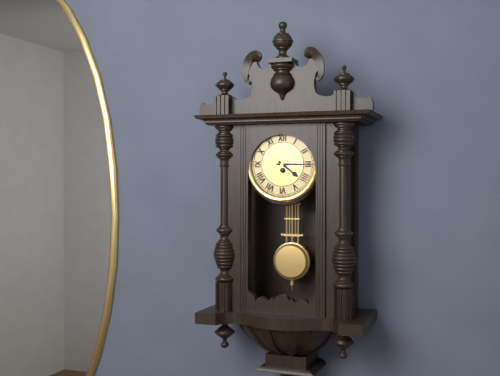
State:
4h15
